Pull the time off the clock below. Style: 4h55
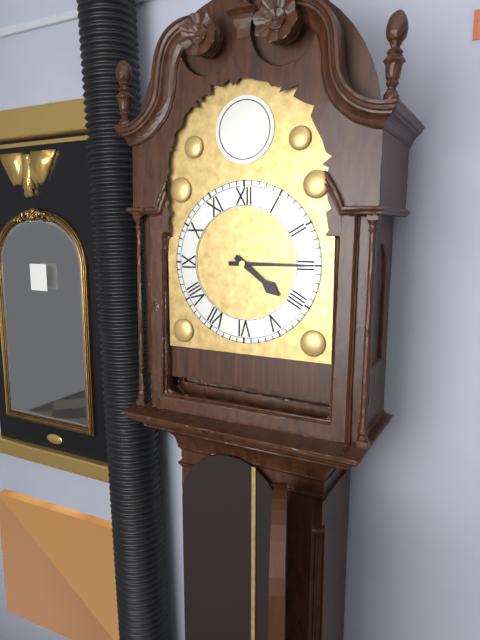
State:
4h15
